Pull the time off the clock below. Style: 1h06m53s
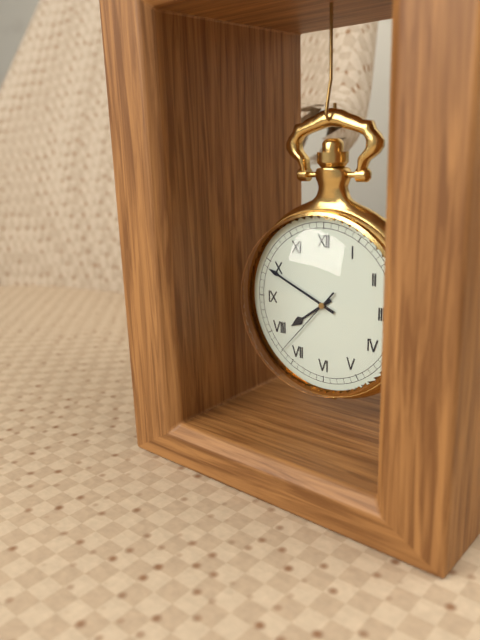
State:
7h49m37s
